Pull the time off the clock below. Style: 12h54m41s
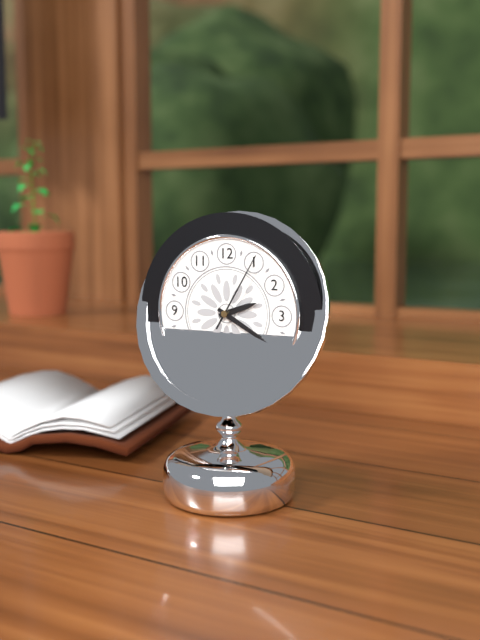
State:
2h20m05s
